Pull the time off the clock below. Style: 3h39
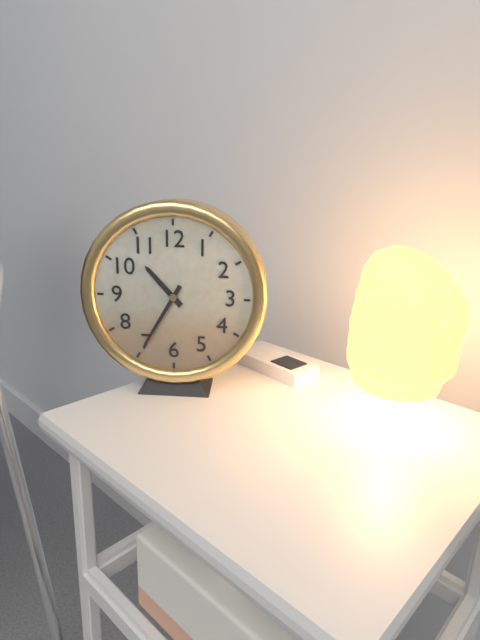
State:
10h35
